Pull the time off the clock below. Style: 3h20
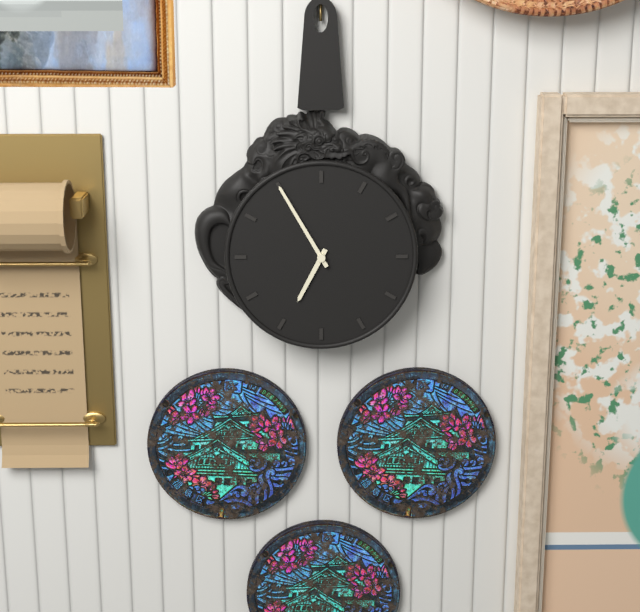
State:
6h55
